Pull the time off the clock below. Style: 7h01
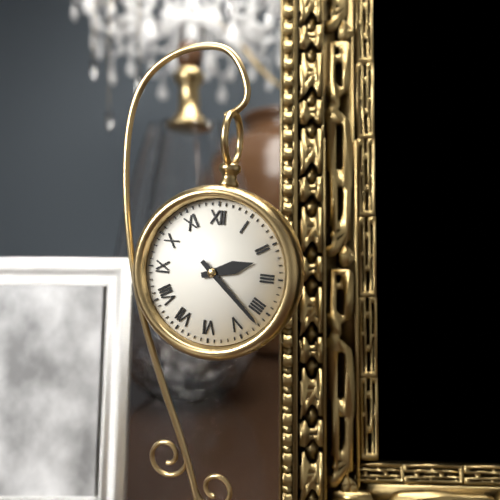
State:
2h22
